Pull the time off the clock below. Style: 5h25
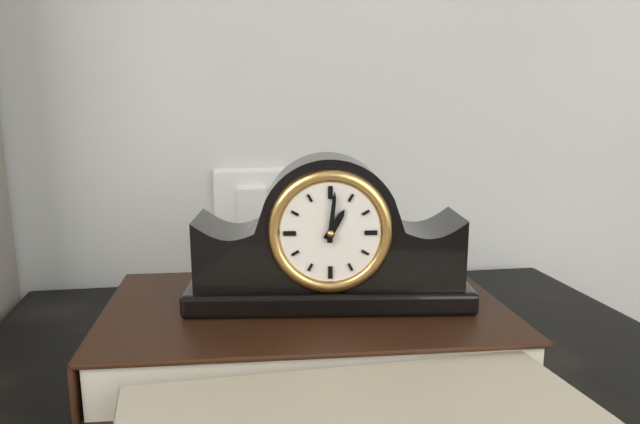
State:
1h01
